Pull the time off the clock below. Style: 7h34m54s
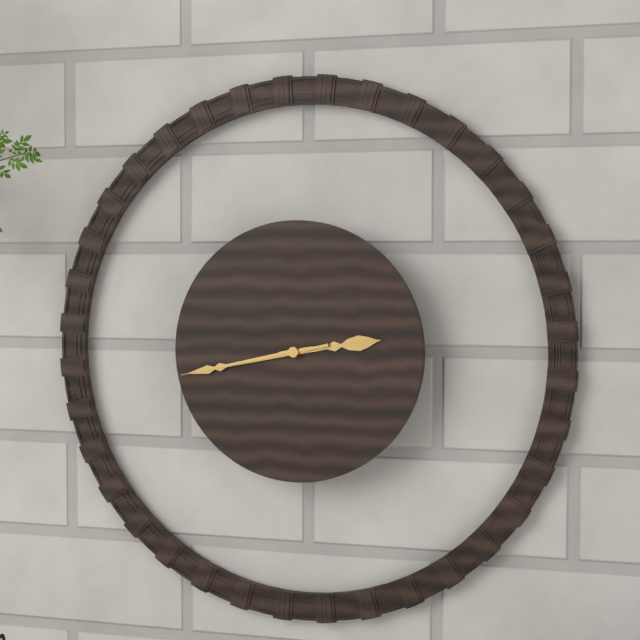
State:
2h43m43s
